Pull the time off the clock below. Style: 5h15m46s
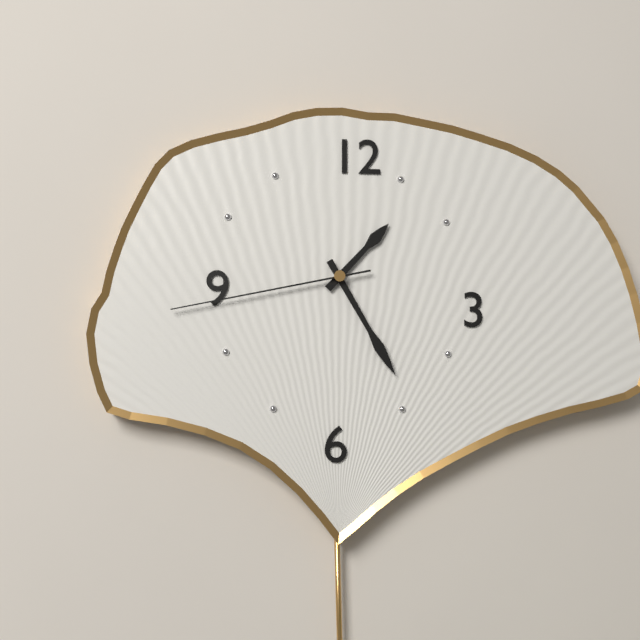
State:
1h25m43s
